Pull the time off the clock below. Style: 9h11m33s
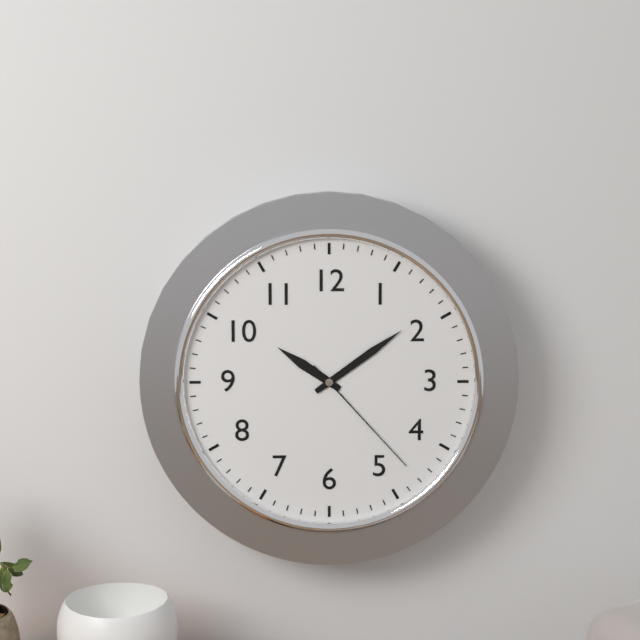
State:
10h09m23s
